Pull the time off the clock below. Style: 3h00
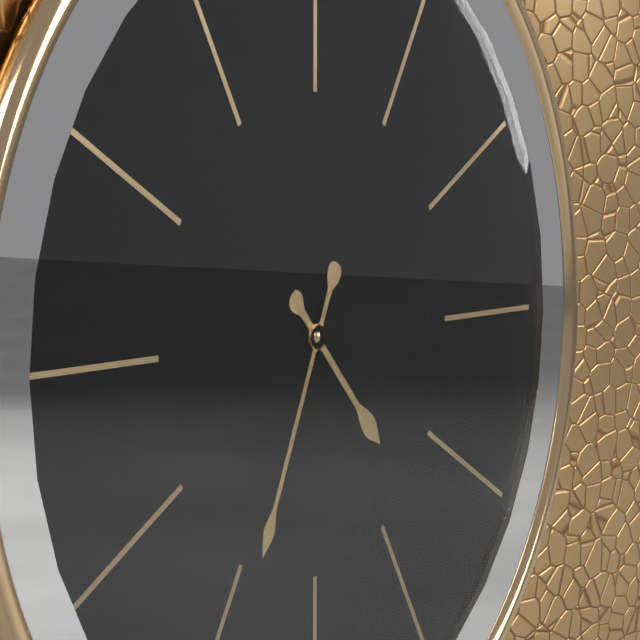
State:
4h34
